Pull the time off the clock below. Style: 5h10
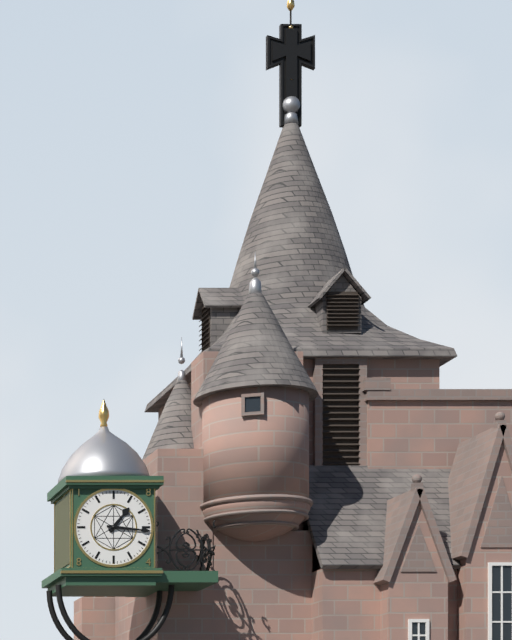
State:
1h16
